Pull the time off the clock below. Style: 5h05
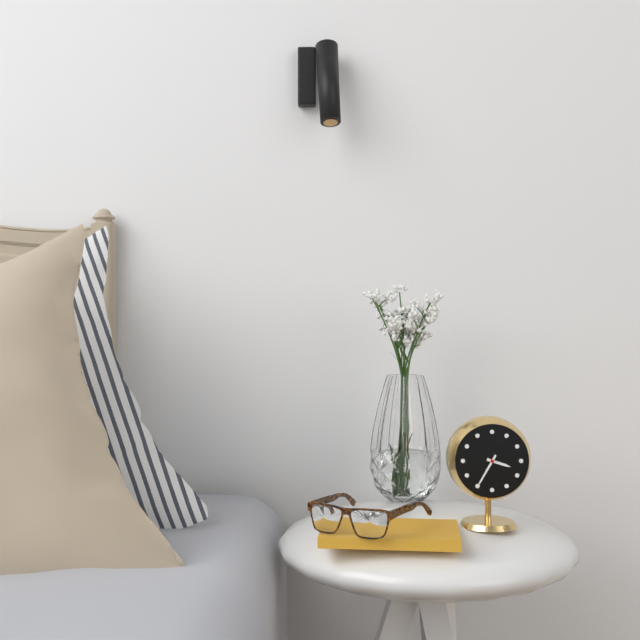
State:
3h35
